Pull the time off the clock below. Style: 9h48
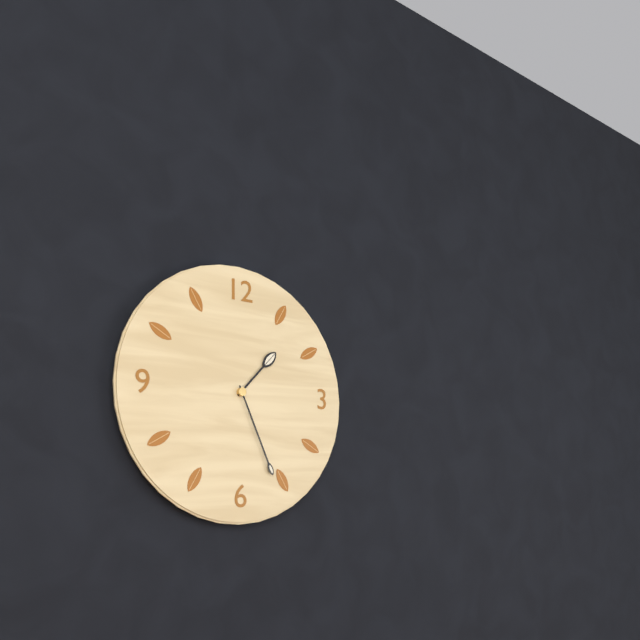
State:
1h26
